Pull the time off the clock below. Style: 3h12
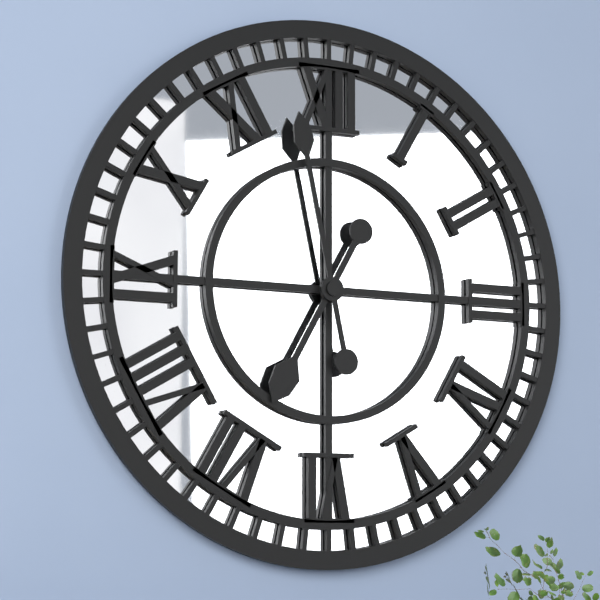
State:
6h58
